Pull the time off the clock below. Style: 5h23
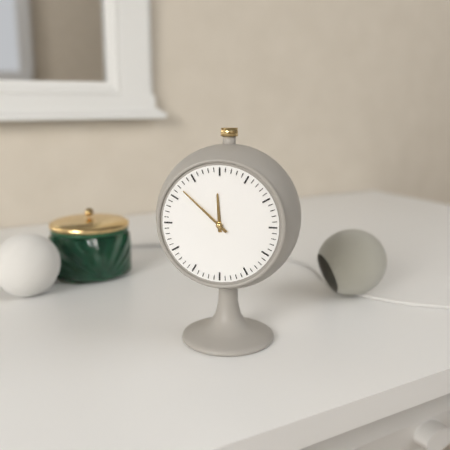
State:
11h52
